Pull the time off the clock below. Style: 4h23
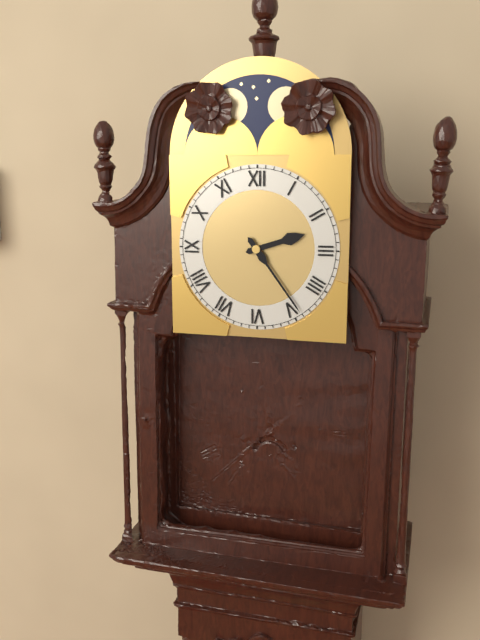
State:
2h24
